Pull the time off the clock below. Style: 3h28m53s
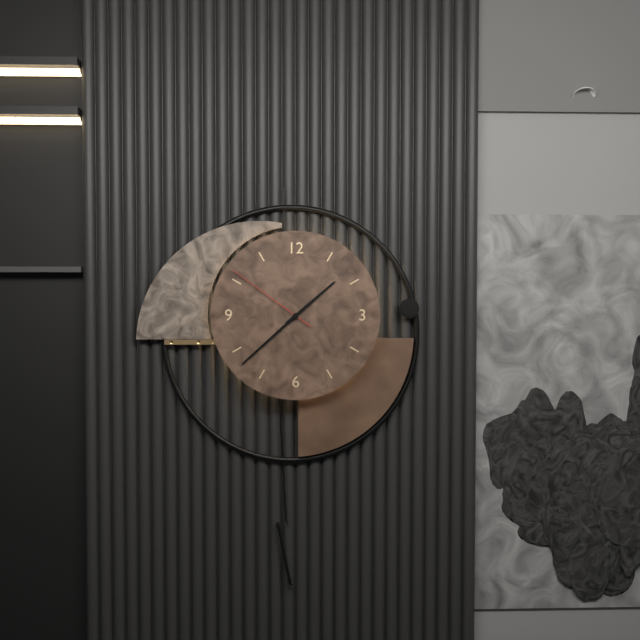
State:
1h38m51s
